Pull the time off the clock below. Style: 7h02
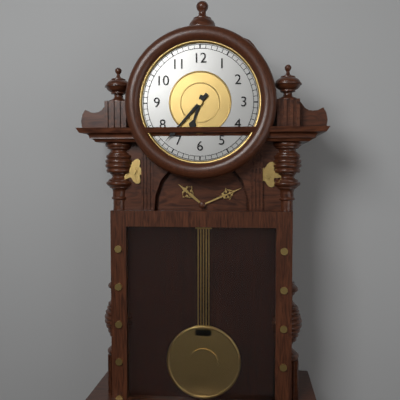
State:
6h37
